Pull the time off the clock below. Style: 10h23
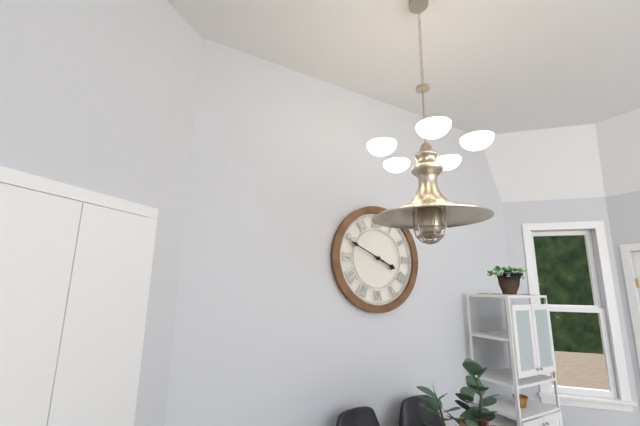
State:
3h49
